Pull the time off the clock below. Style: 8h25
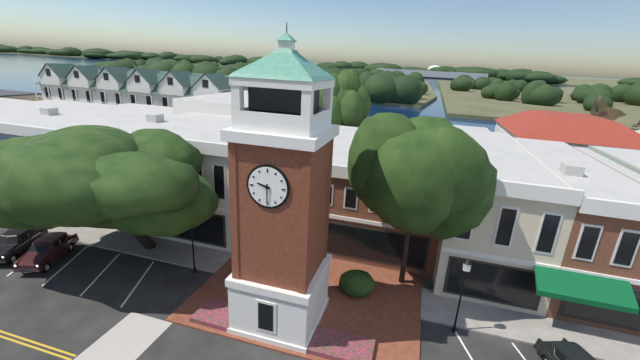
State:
9h30
